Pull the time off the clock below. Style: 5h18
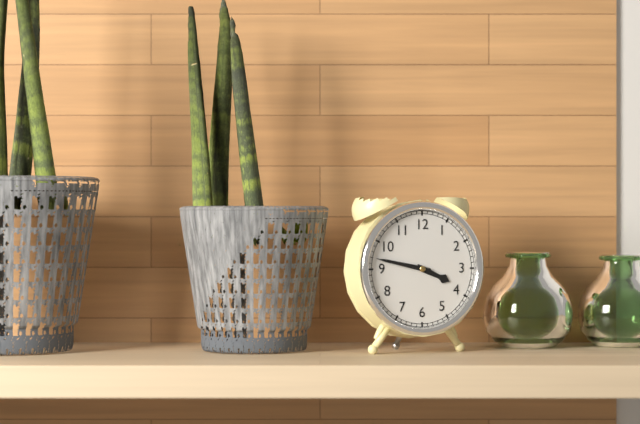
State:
3h47
